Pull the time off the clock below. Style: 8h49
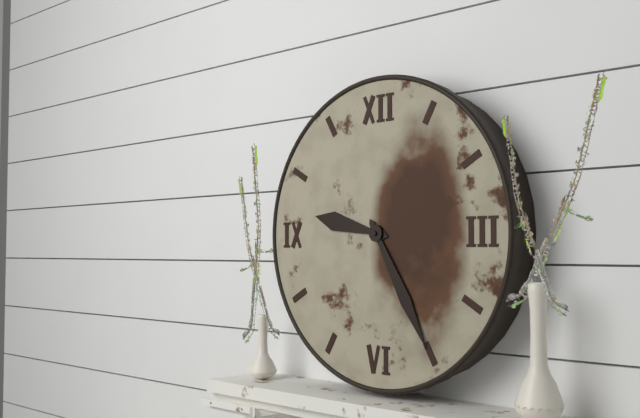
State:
9h25
